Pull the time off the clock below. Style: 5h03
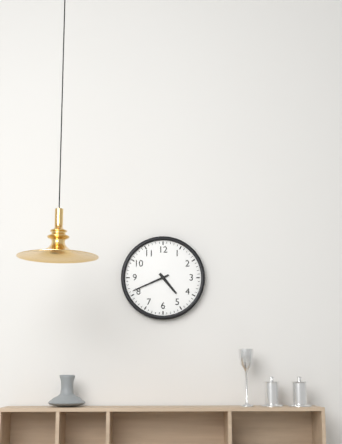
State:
4h41
